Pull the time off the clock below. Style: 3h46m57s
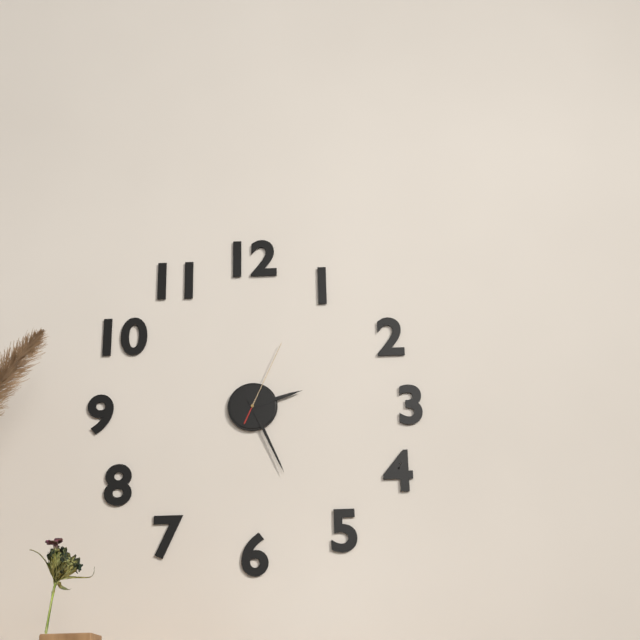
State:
2h26m04s
